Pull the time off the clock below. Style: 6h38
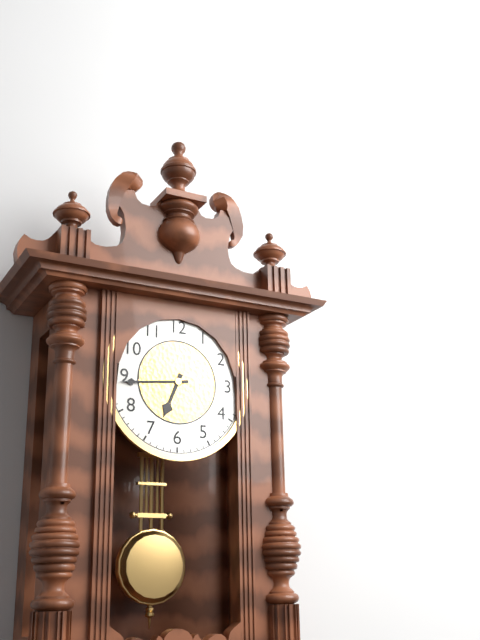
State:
6h44
